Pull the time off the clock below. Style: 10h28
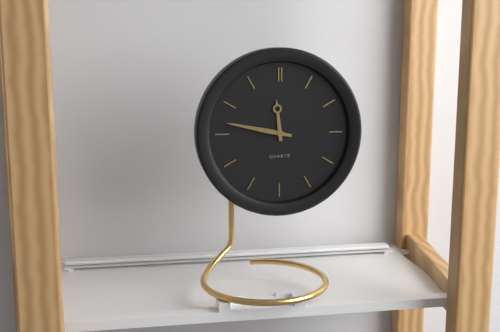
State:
11h47
